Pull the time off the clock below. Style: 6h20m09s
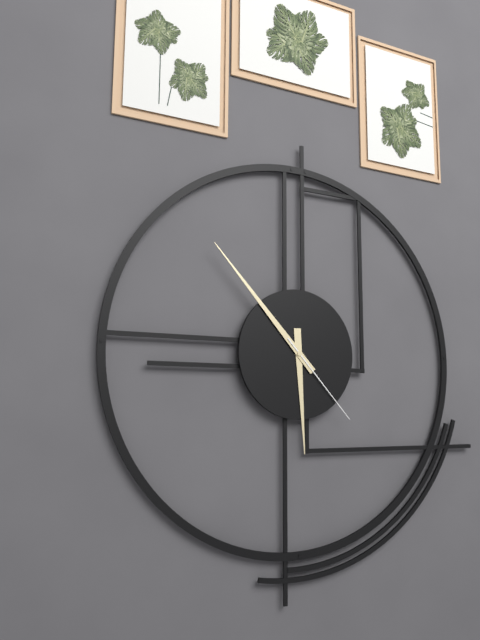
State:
5h53m23s
